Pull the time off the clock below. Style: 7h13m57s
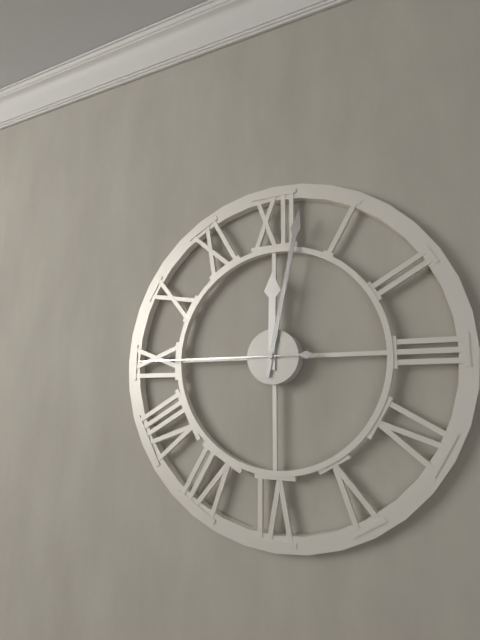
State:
12h02m45s
